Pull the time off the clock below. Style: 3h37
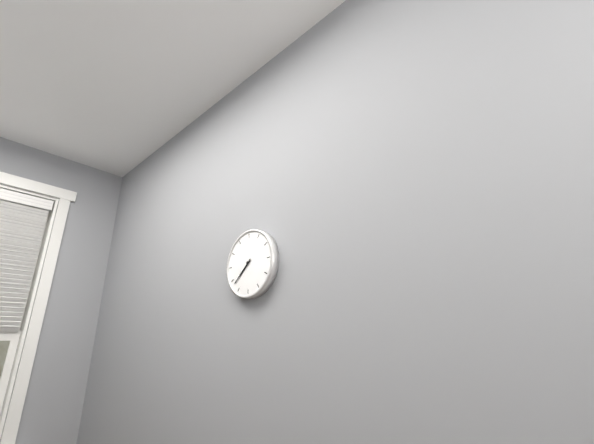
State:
7h38
